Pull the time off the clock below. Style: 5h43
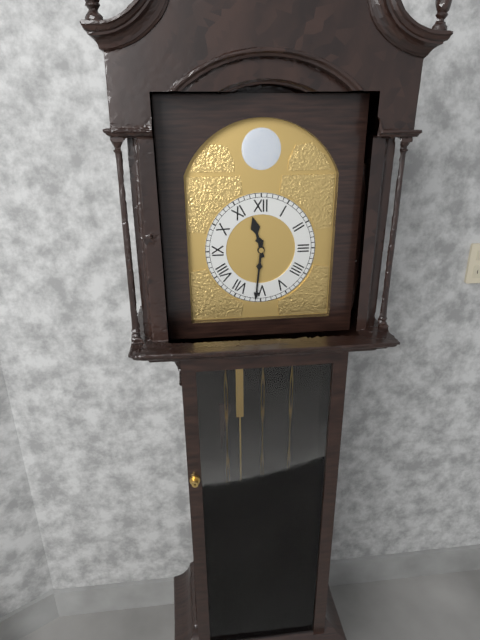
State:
11h31
